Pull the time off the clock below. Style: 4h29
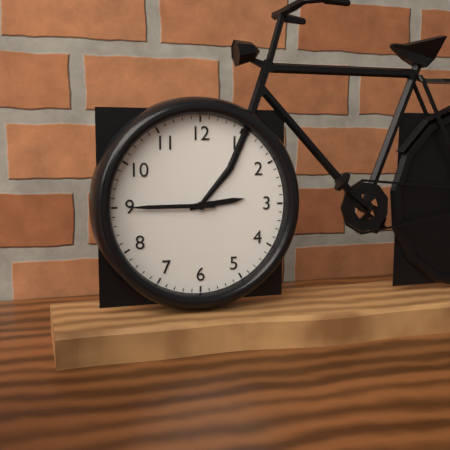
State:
2h45
